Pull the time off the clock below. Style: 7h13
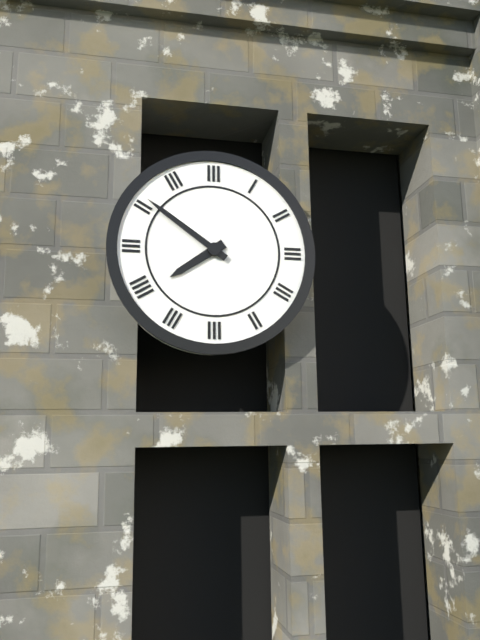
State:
7h51
